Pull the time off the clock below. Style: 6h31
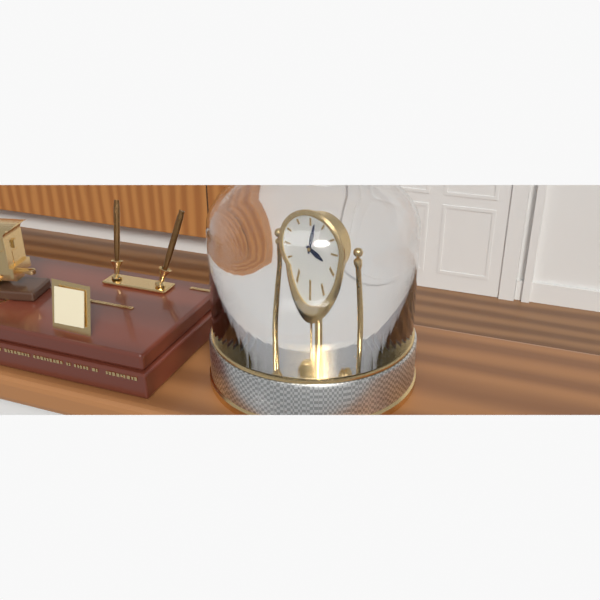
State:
4h02
